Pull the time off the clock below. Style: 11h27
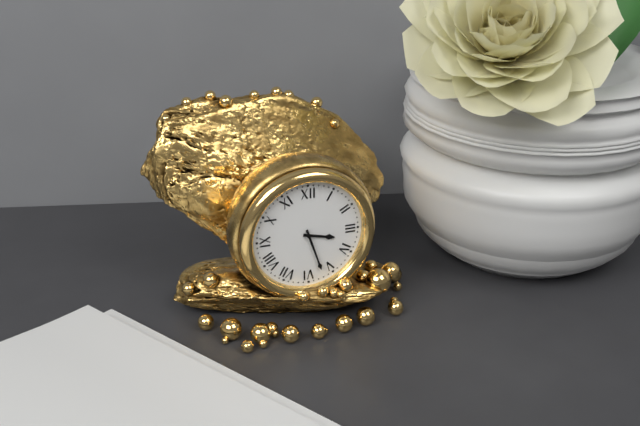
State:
3h27
